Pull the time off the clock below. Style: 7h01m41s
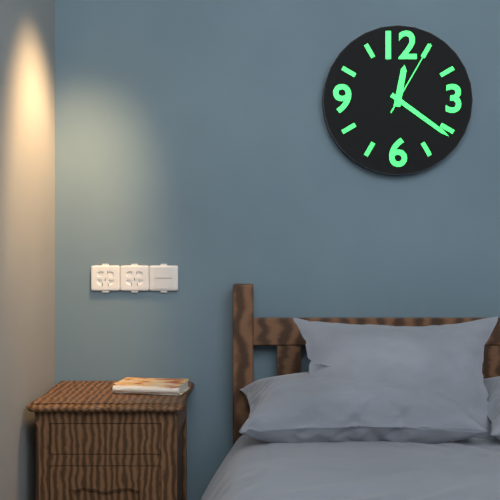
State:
12h21m05s
